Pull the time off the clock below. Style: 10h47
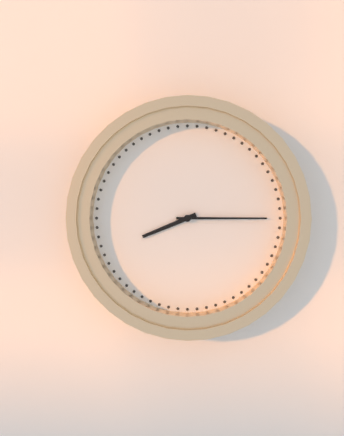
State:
8h15
